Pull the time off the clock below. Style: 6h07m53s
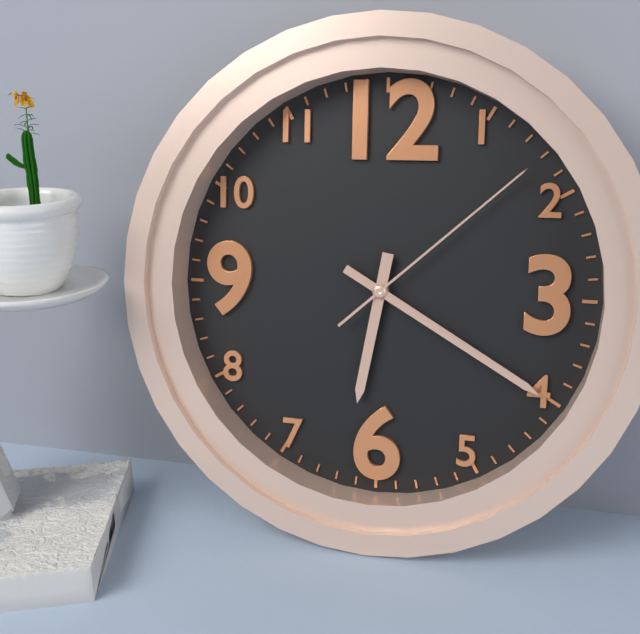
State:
6h20m08s
